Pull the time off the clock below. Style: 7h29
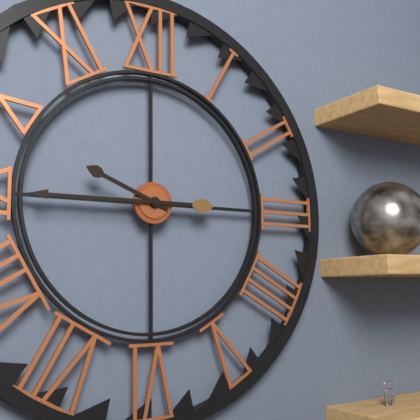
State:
9h45
